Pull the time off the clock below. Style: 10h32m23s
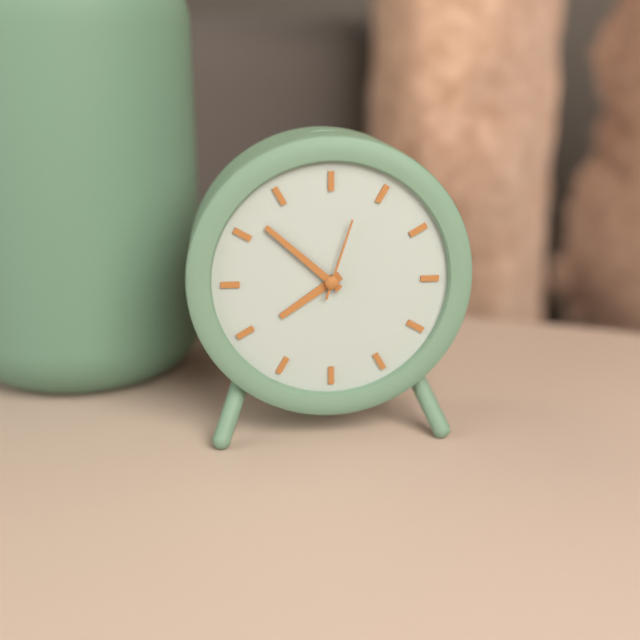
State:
7h52m03s
